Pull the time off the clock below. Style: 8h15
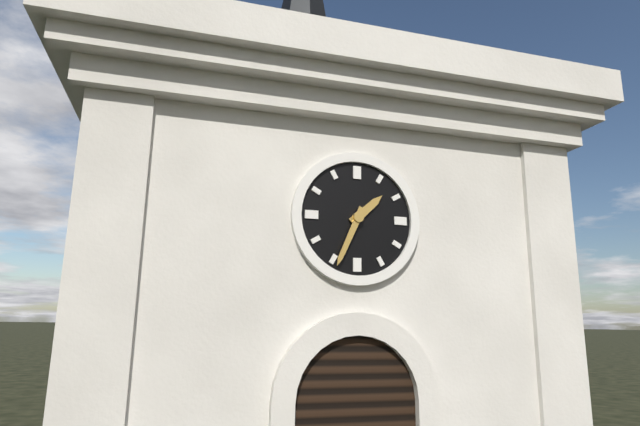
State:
1h34
